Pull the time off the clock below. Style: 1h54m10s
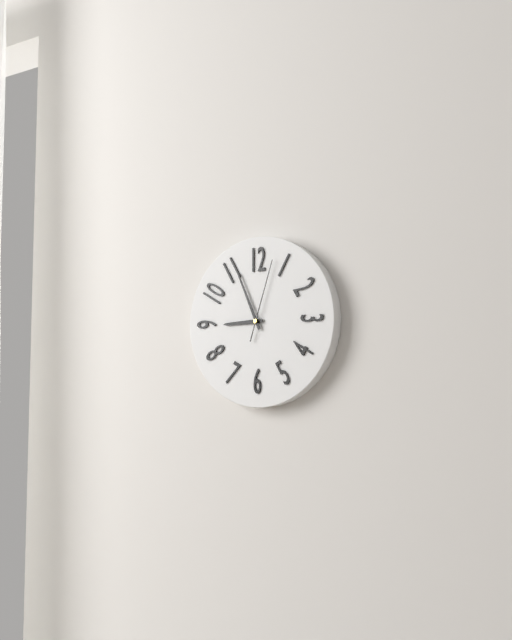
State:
8h56m03s
